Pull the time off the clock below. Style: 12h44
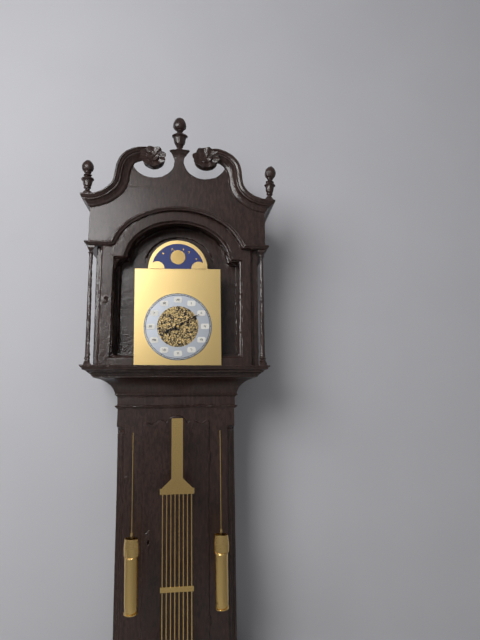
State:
8h10
